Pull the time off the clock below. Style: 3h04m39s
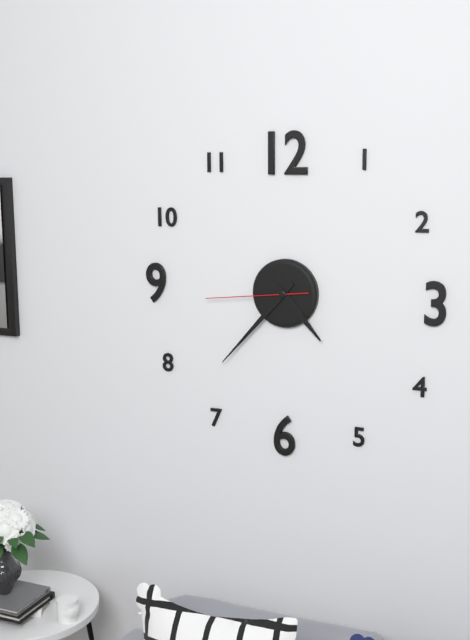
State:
4h37m44s
